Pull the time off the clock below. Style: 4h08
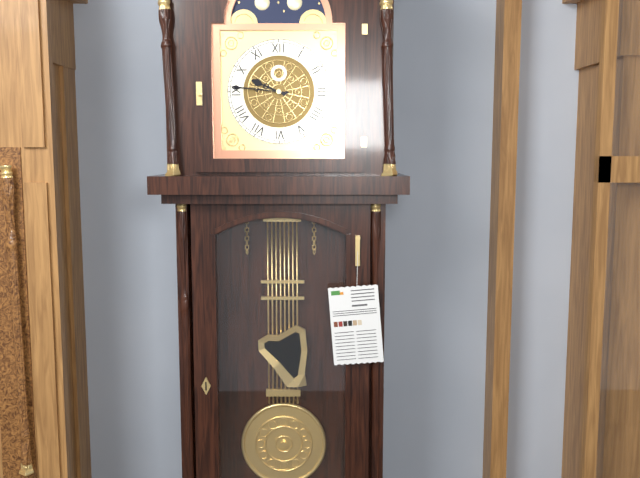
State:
9h46
